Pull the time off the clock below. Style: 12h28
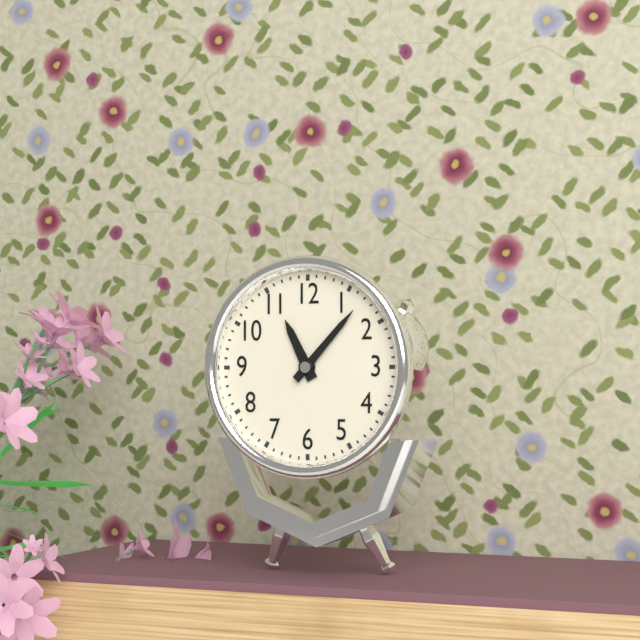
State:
11h07
